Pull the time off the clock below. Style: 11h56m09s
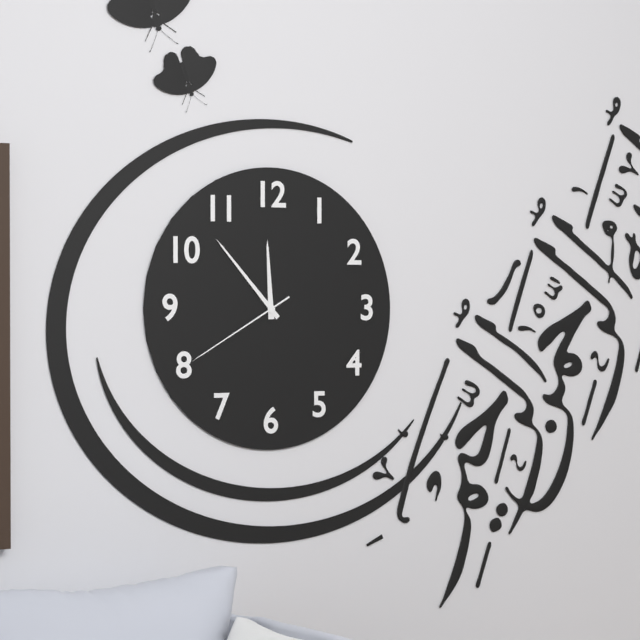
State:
11h53m40s
